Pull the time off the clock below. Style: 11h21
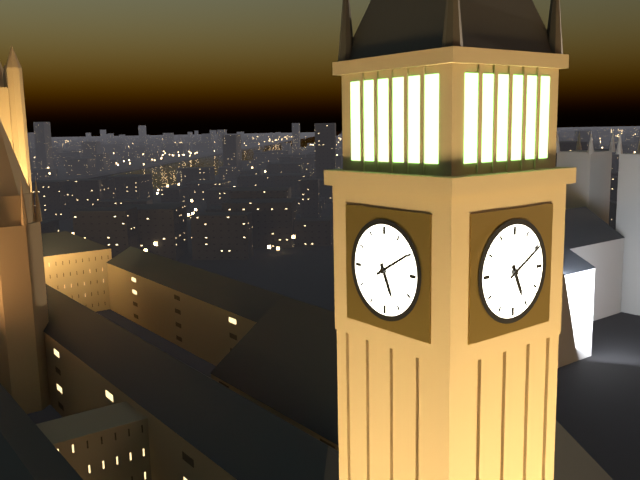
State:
5h10
